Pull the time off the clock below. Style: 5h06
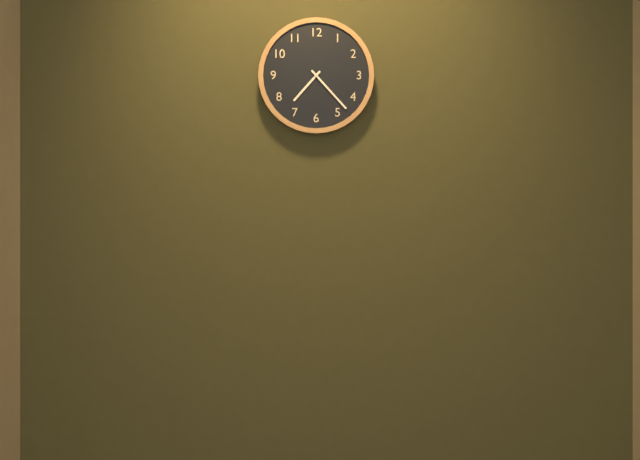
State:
7h23
